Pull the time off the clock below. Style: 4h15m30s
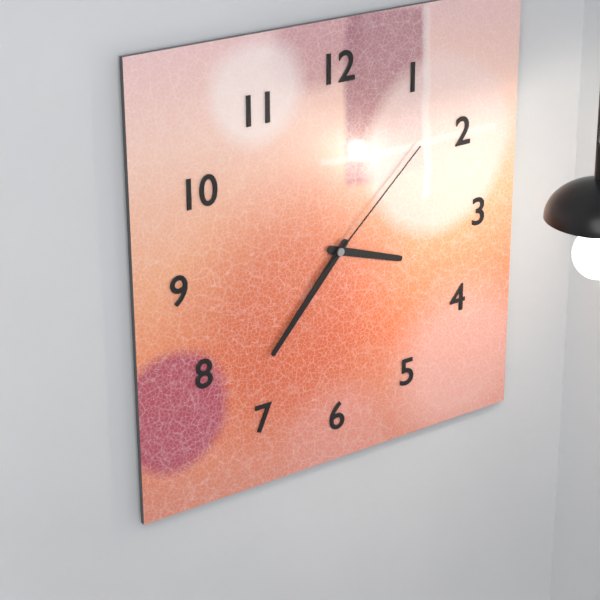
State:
3h37m08s
